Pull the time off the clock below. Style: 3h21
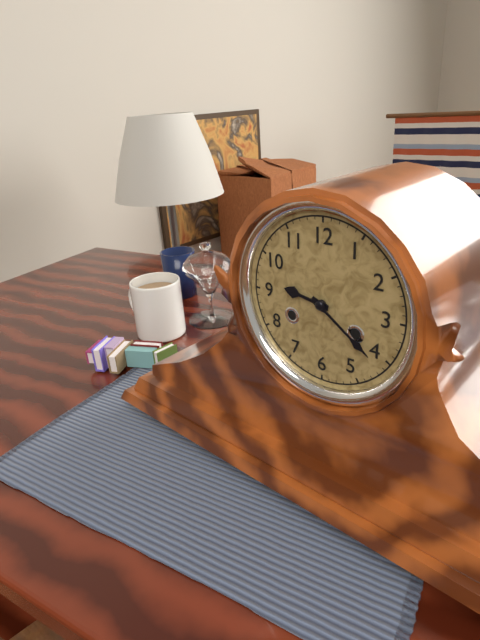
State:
9h21
